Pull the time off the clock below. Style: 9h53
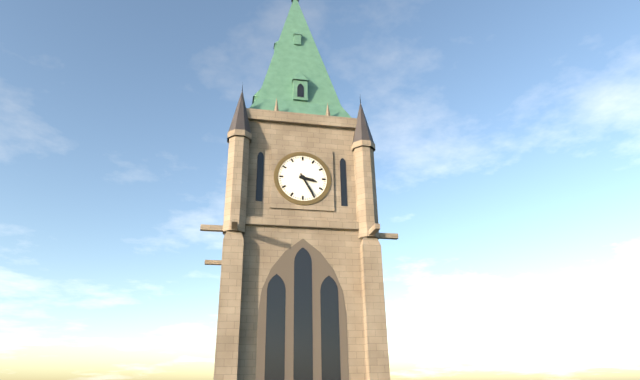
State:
3h25
